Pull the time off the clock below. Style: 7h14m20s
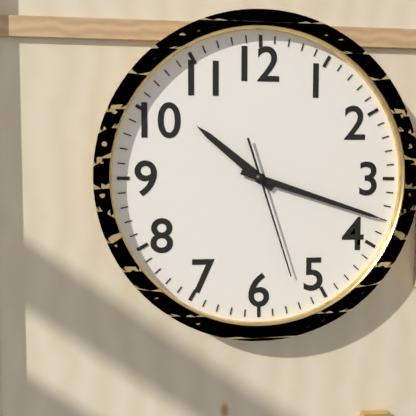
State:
10h18m27s
